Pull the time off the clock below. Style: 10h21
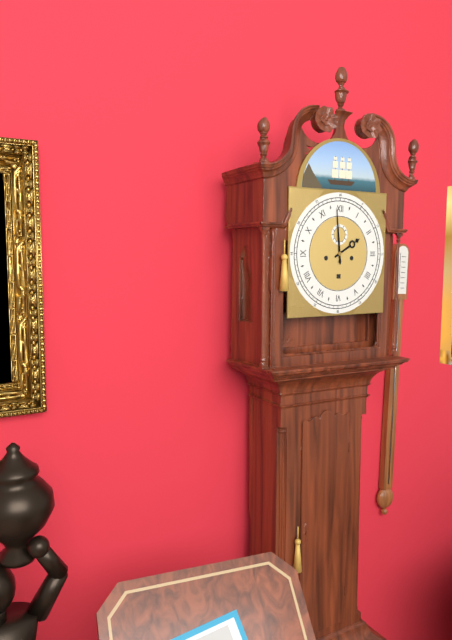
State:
1h59
